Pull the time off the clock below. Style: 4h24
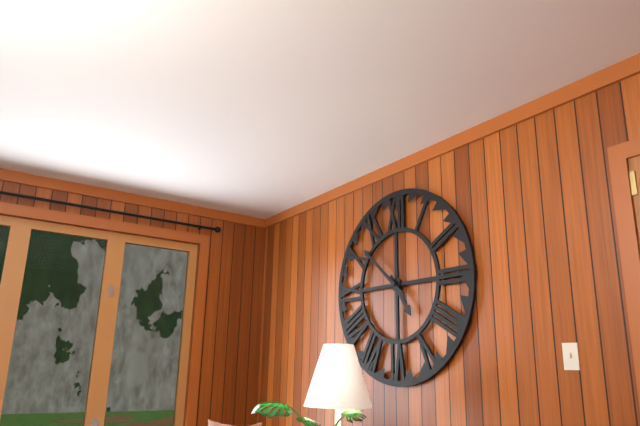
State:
4h52
